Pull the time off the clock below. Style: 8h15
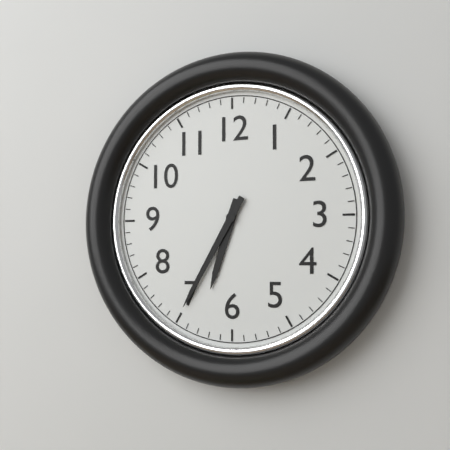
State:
6h35
